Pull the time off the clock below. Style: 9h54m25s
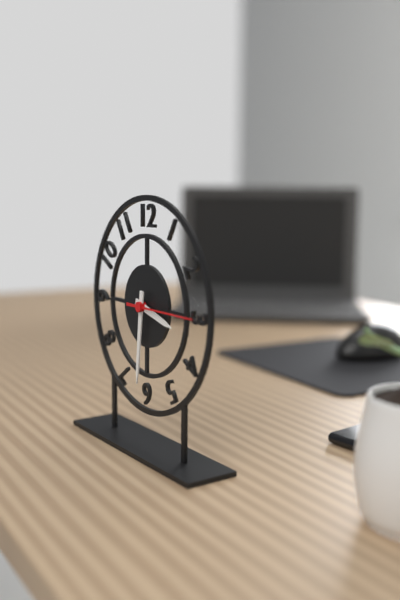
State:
3h31m15s
